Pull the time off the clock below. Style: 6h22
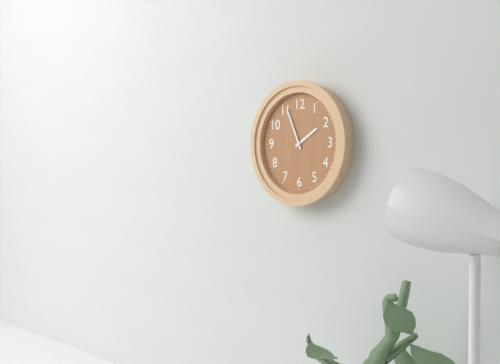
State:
1h56
